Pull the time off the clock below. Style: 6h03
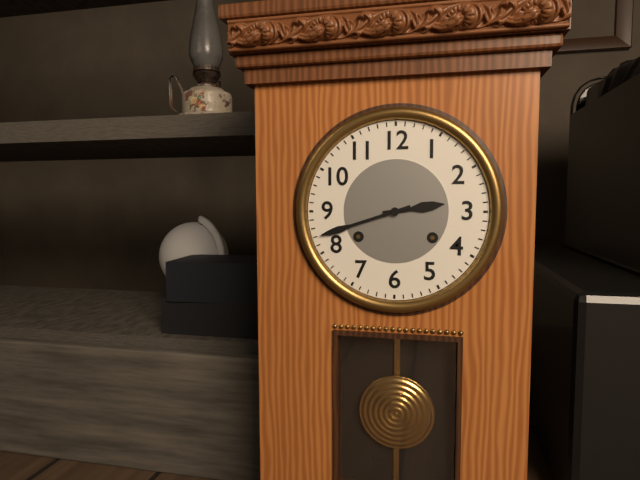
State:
2h42
